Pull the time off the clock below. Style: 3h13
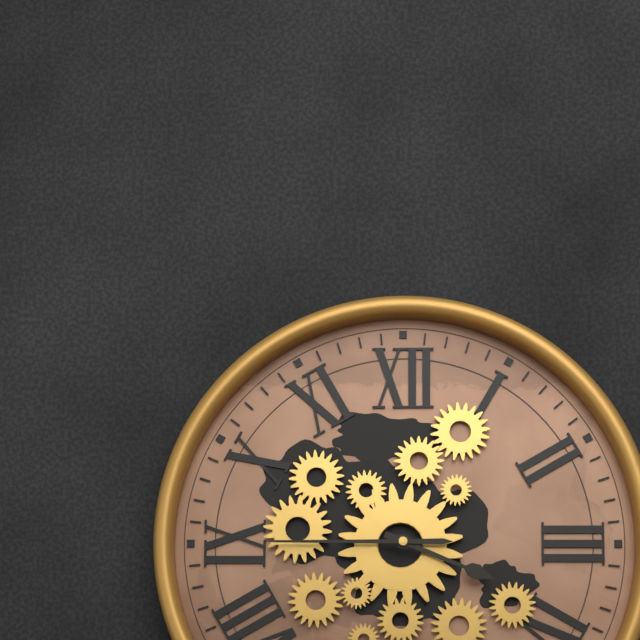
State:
3h45
